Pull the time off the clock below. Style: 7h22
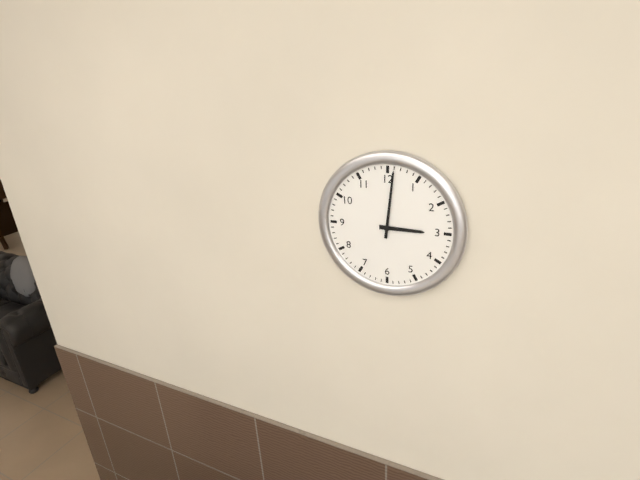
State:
3h01
